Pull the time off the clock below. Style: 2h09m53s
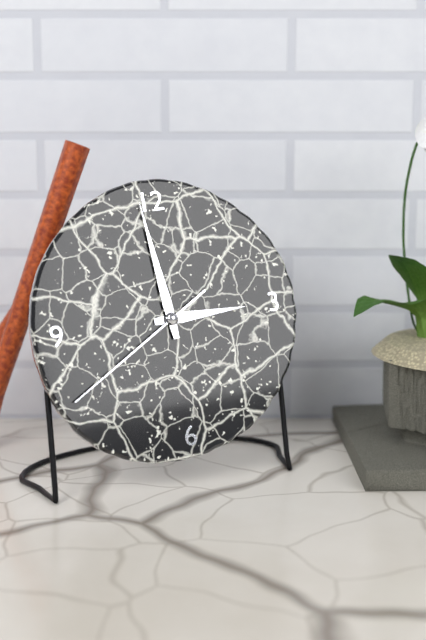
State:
2h59m40s
